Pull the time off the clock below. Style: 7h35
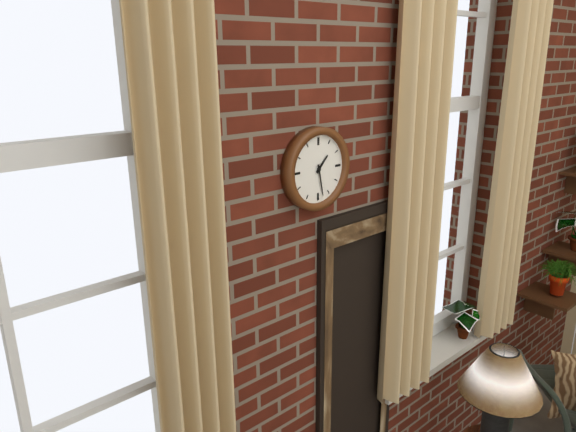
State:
1h28
